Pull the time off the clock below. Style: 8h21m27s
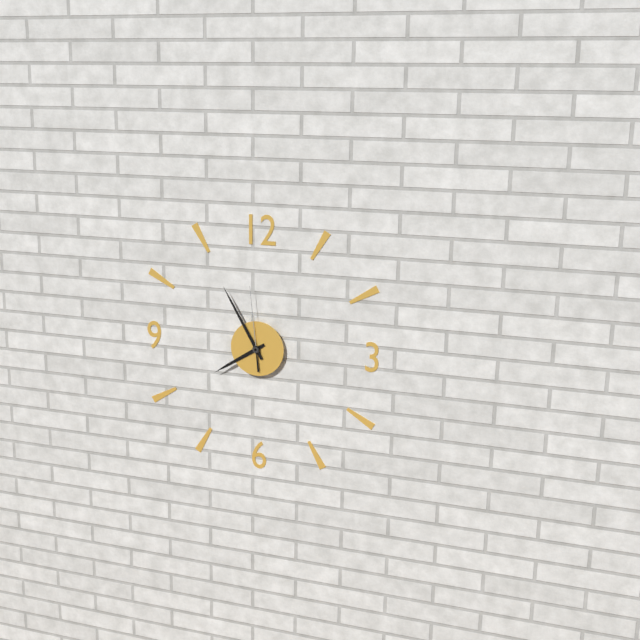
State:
7h55m59s
